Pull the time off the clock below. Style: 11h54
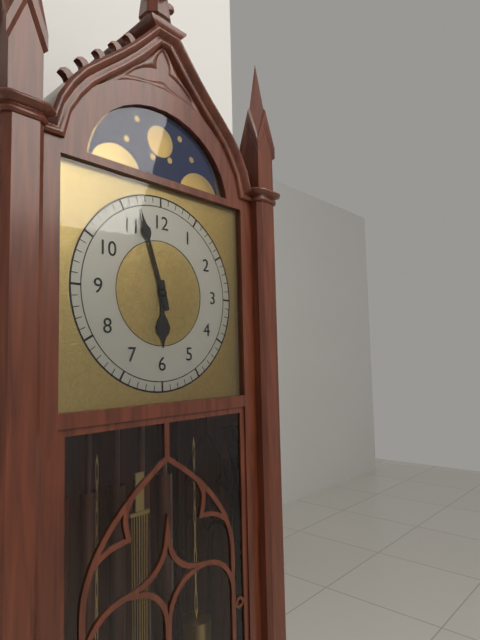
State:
5h57
